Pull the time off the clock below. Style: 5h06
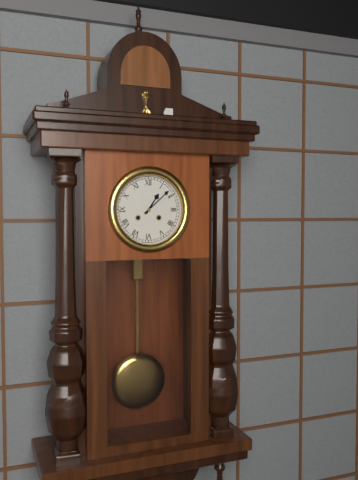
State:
1h08
